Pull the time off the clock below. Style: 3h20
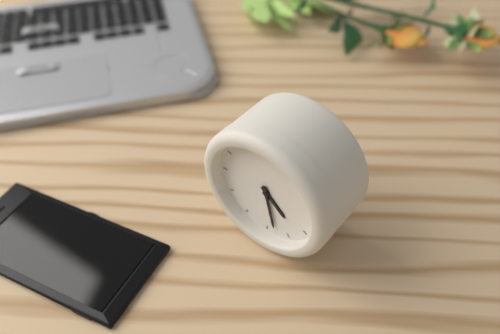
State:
4h28
